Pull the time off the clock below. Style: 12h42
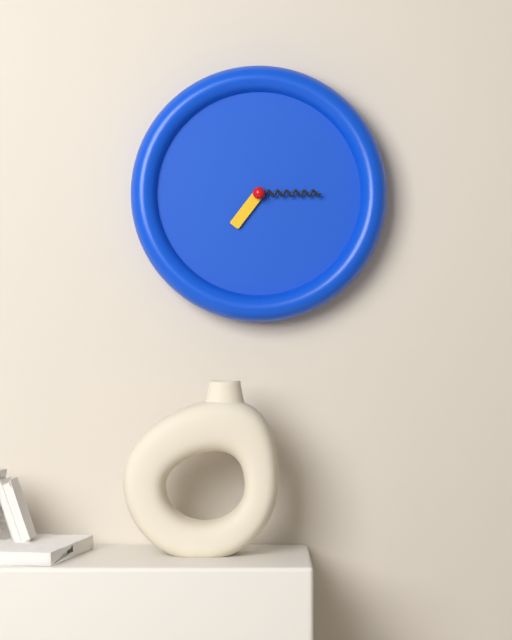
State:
7h15
